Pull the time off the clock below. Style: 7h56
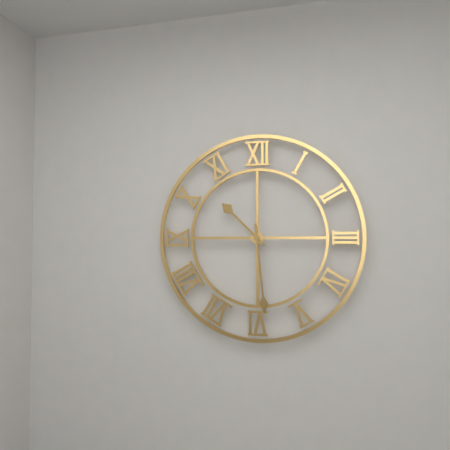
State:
10h29
